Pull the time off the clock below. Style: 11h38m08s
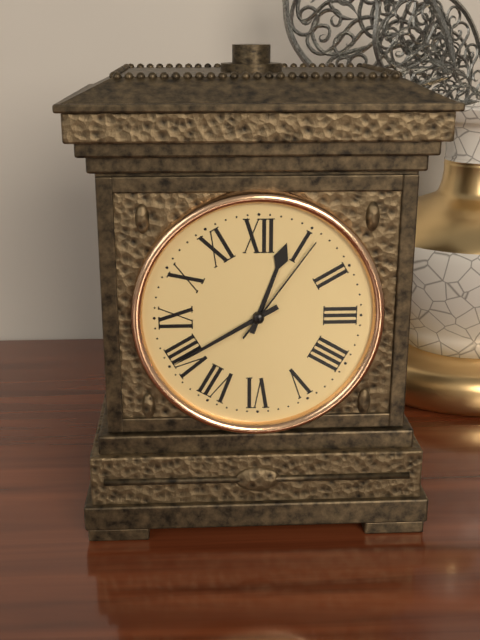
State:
12h40m06s
